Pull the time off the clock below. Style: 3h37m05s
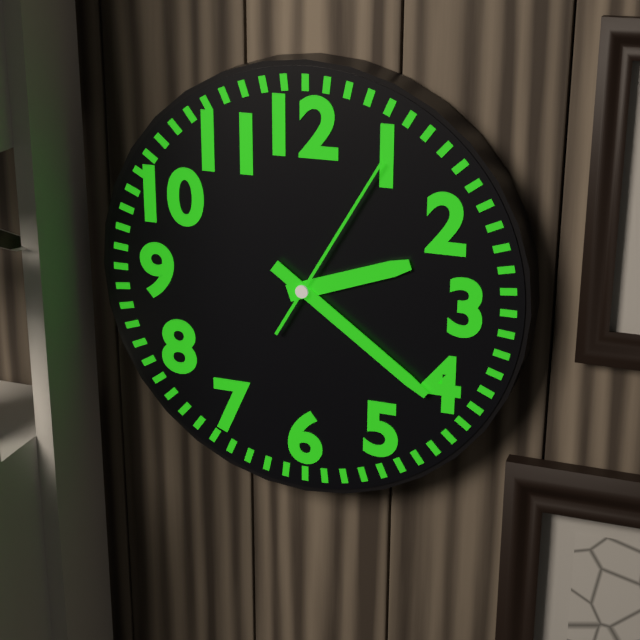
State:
2h21m05s
